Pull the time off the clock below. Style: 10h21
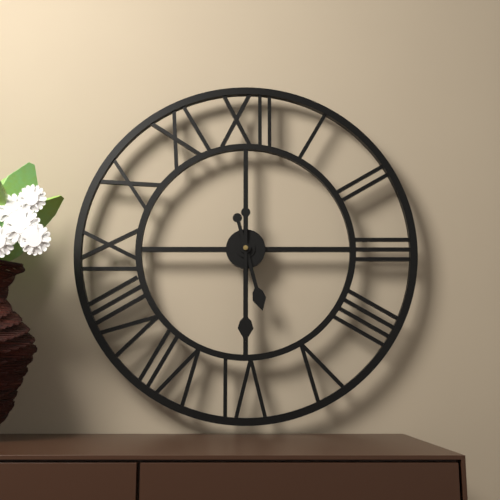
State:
5h30
